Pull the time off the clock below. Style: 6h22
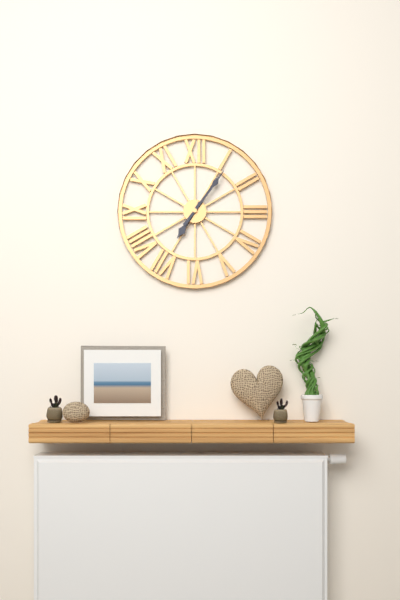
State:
7h06
